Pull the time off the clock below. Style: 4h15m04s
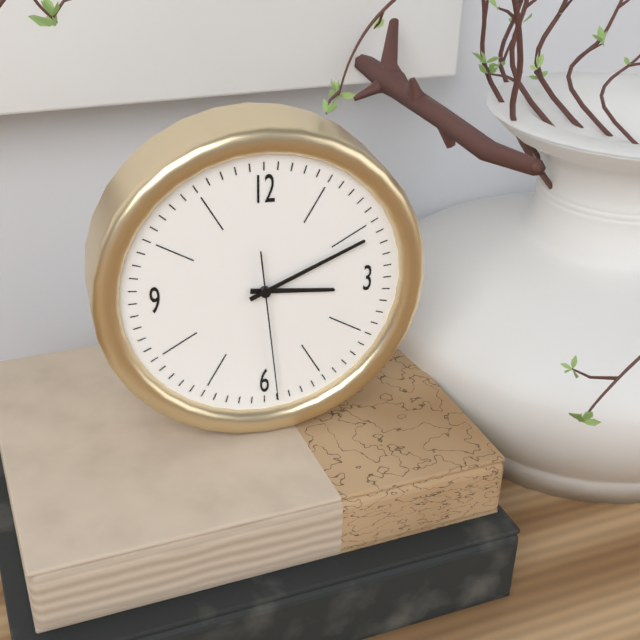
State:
3h11m29s
